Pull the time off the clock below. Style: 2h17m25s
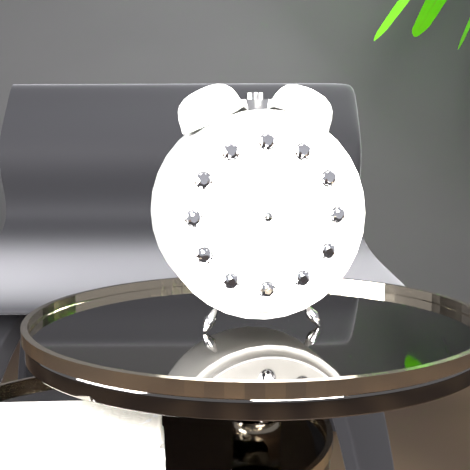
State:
7h34m54s
